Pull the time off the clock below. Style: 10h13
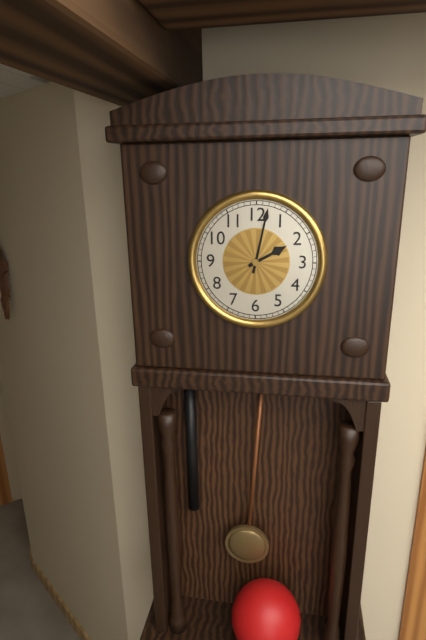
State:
2h02
